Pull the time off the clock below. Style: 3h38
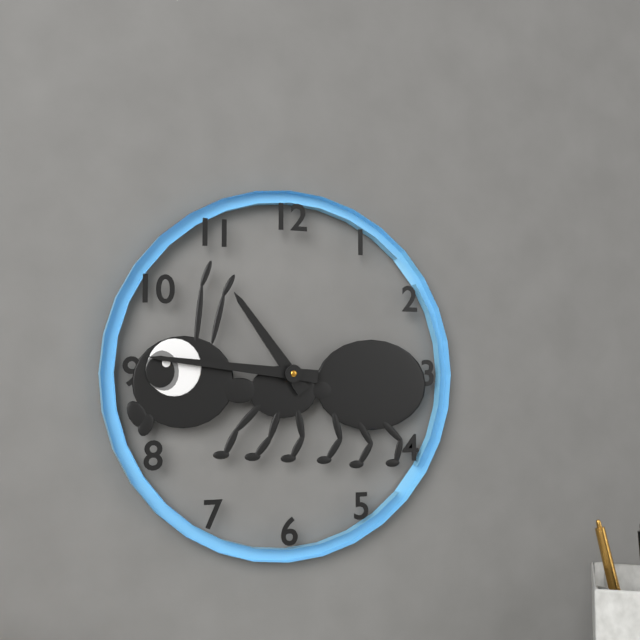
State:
10h46
